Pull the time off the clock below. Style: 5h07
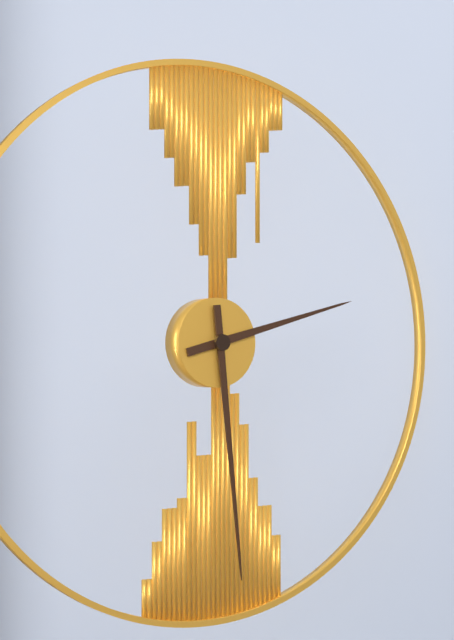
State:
2h29
